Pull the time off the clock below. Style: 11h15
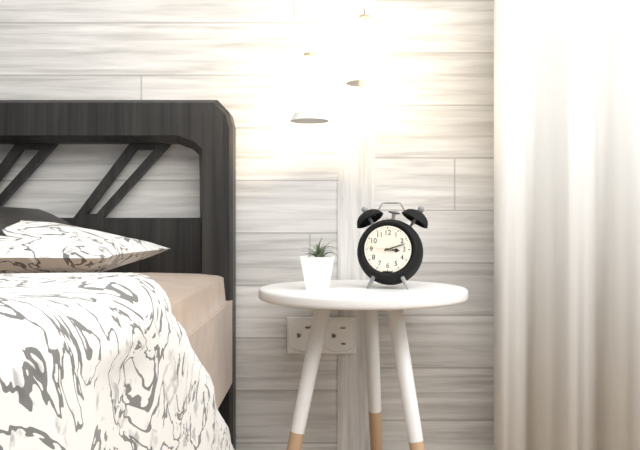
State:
3h12
